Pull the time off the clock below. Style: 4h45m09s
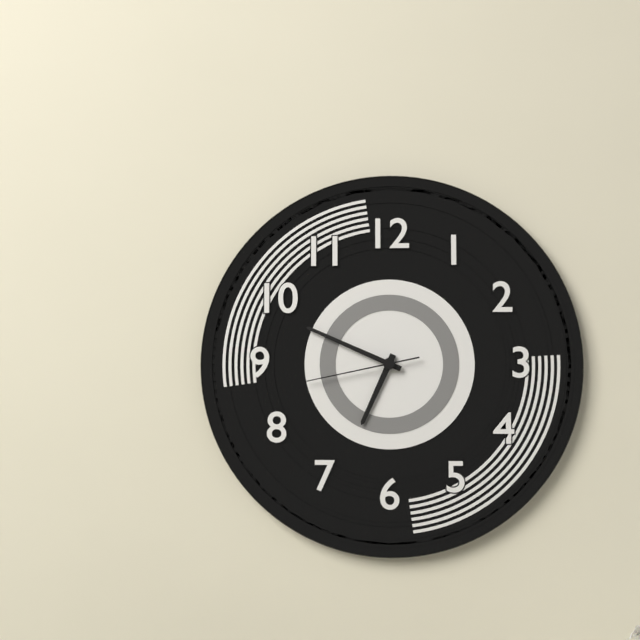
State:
6h49m43s
